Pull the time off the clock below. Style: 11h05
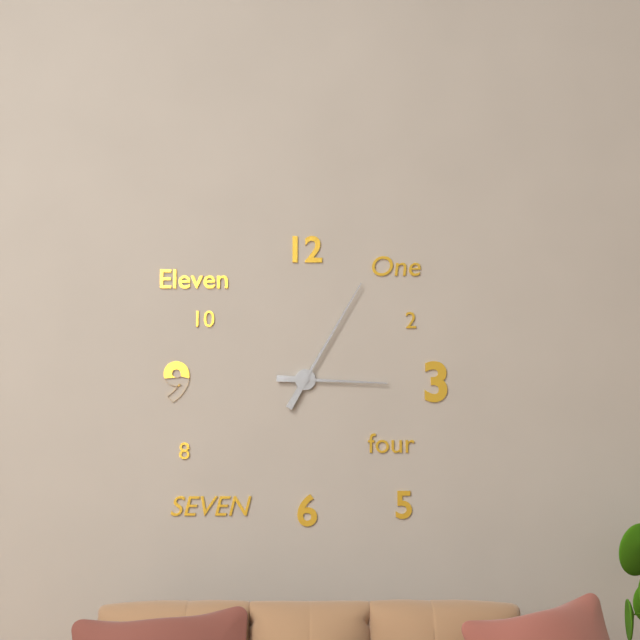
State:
3h05
